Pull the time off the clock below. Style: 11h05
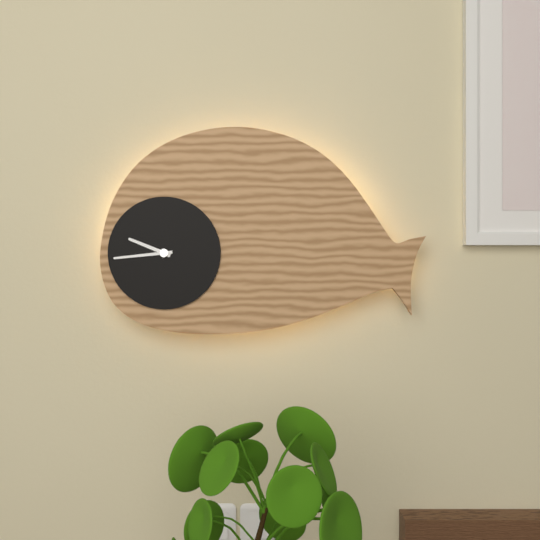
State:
9h44
